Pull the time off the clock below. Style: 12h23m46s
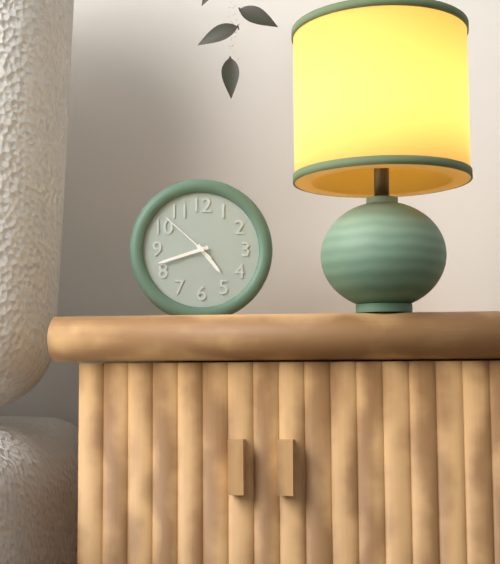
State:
4h42m52s
